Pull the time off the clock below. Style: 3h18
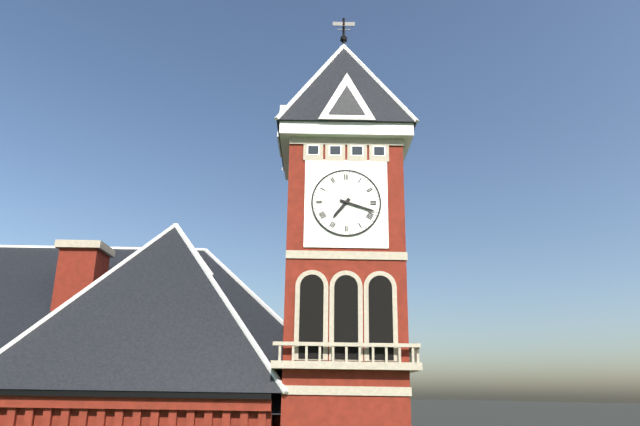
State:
7h18
